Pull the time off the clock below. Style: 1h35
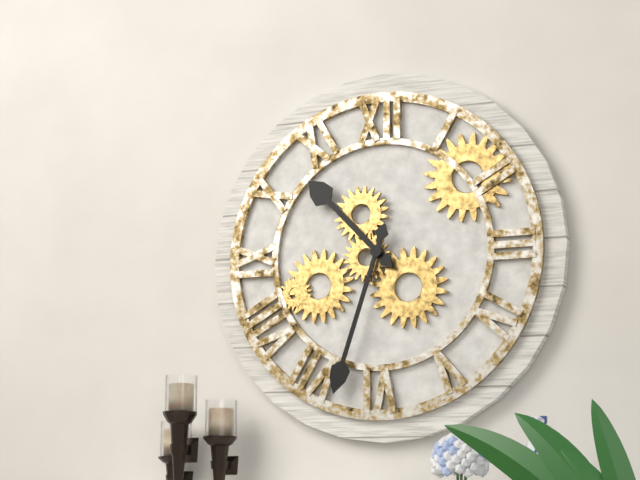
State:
10h33
